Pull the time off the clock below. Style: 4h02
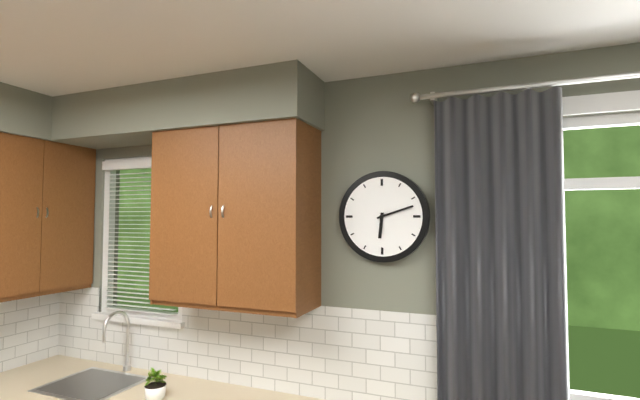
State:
6h12
